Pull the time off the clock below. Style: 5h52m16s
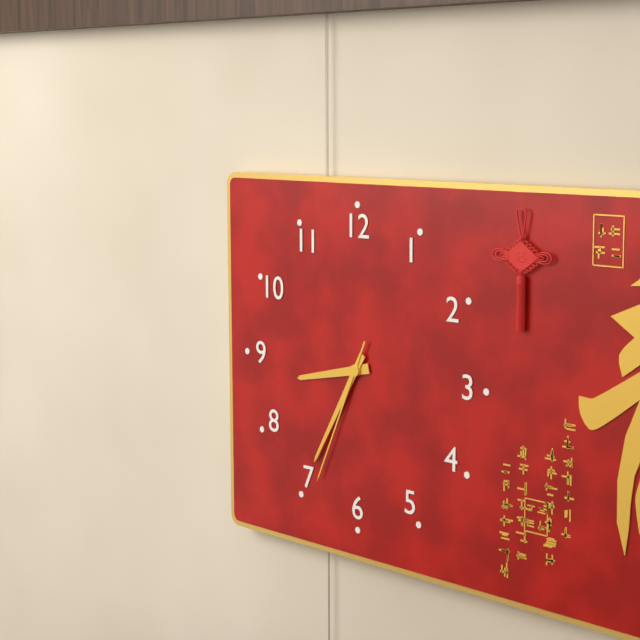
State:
8h35m34s
